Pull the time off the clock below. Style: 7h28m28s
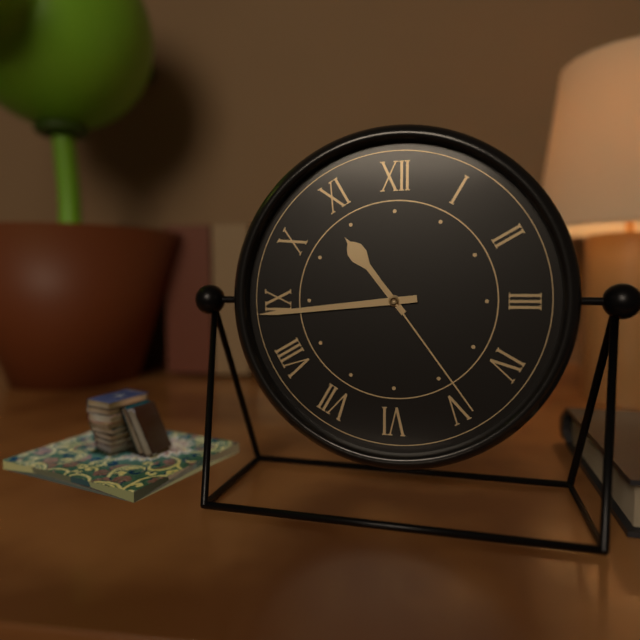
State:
10h44m24s
